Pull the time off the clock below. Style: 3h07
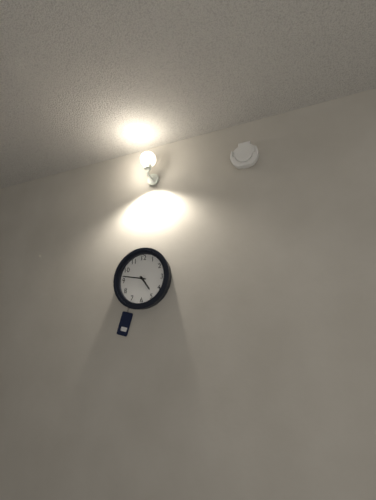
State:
4h47
